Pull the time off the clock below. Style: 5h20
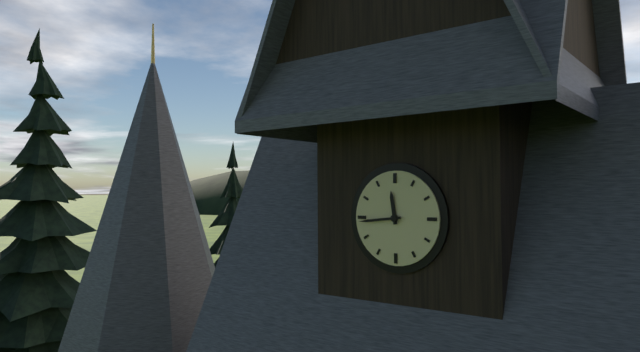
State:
11h44
